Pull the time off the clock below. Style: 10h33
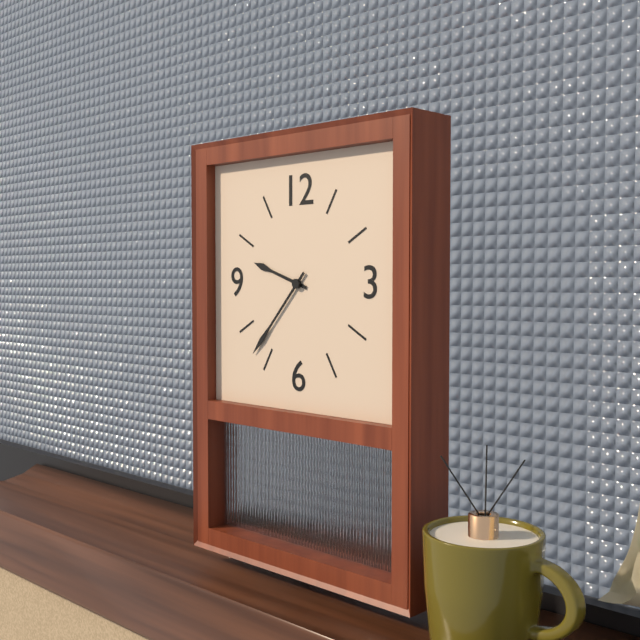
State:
9h37
